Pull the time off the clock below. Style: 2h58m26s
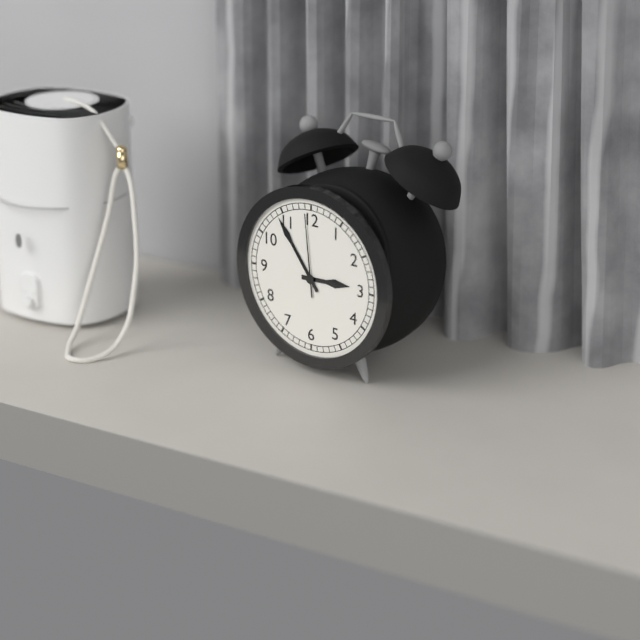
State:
2h54m59s
